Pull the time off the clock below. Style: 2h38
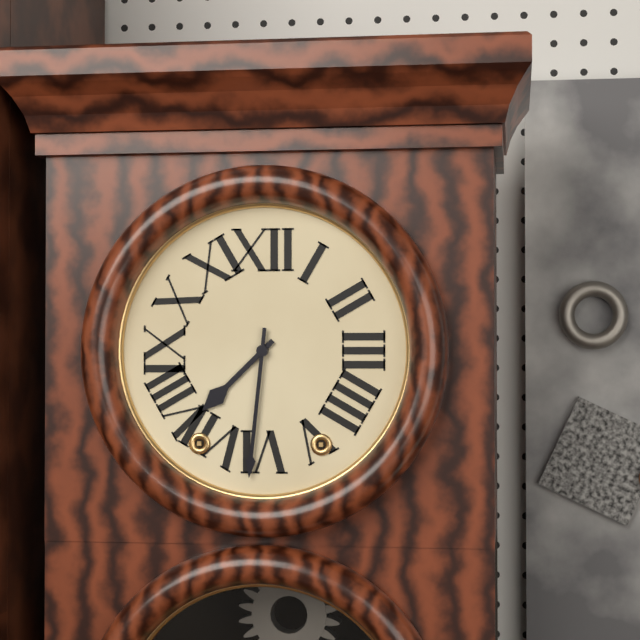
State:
7h31
